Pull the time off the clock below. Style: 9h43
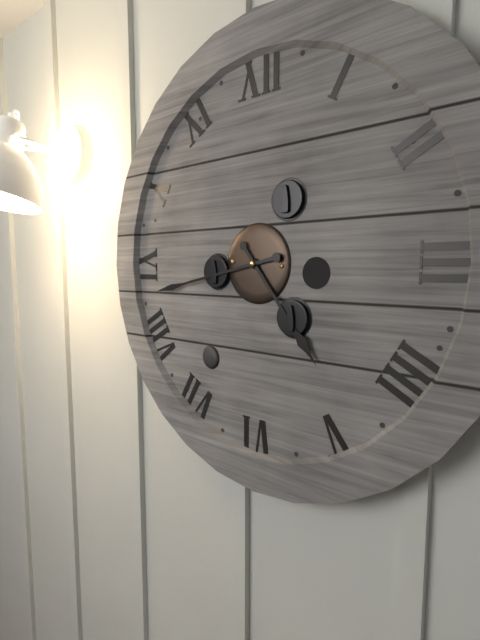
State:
4h43
